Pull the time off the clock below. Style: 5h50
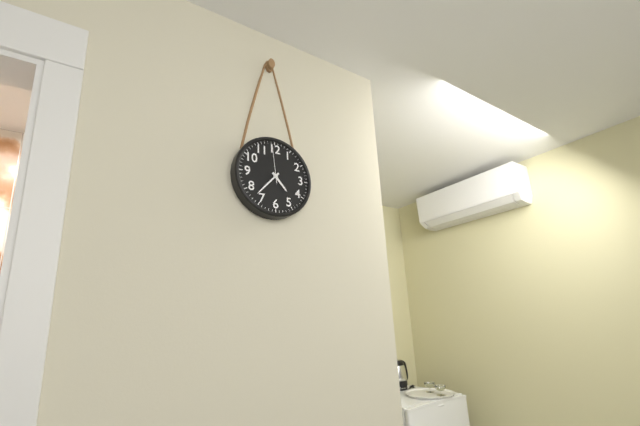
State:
4h37
